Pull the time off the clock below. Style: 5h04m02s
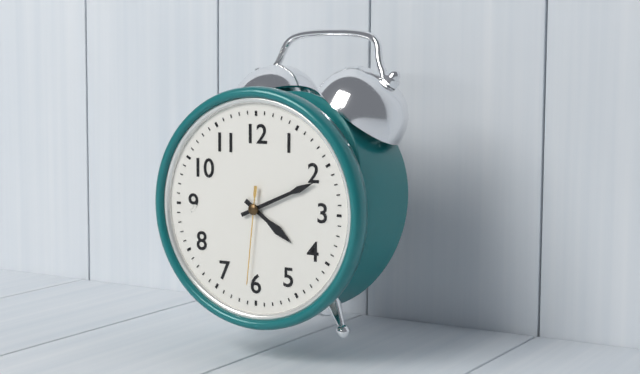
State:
4h11m31s
